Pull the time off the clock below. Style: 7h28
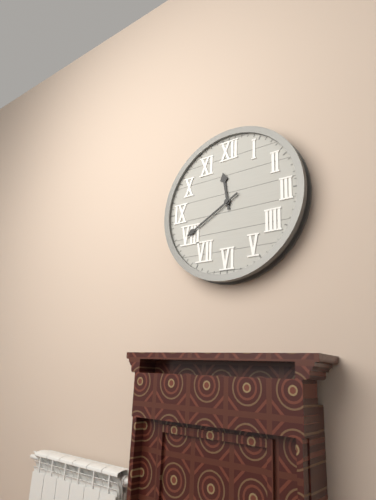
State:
11h40
